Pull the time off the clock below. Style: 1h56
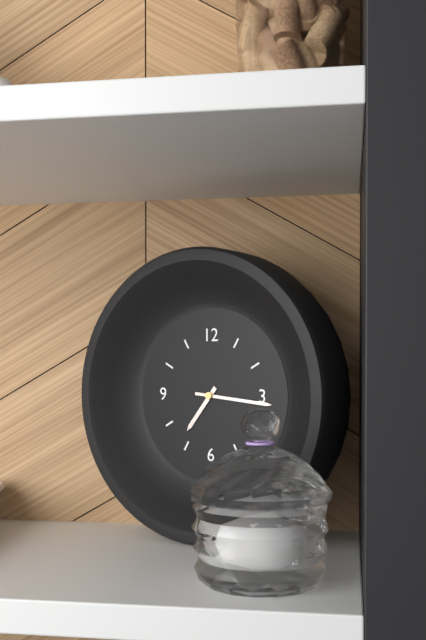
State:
7h16
